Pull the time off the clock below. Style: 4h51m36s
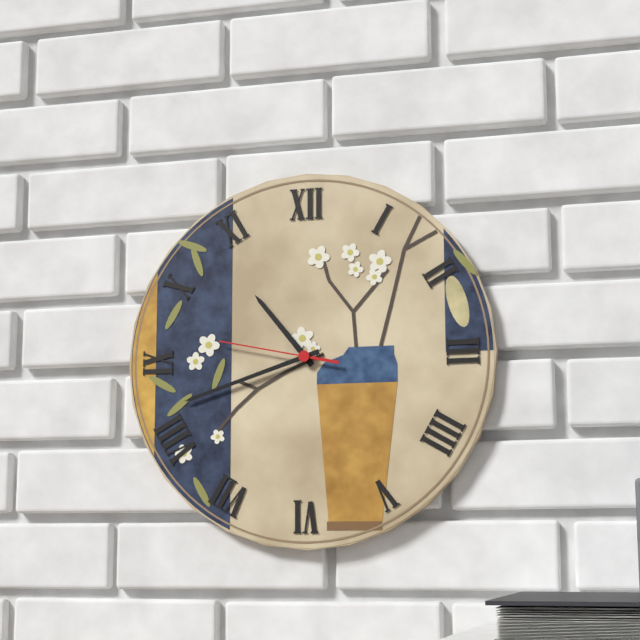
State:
10h42m47s
